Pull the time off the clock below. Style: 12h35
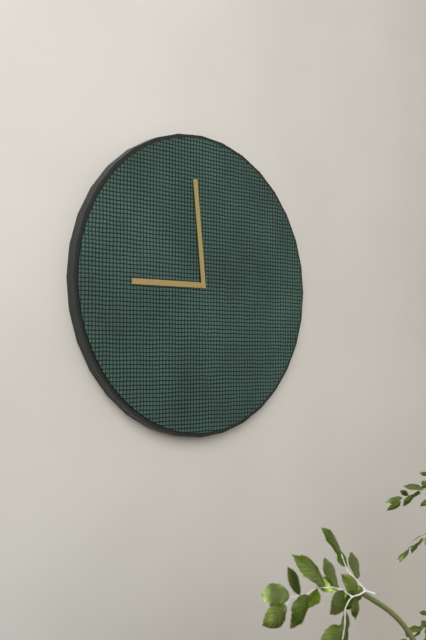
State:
8h59
